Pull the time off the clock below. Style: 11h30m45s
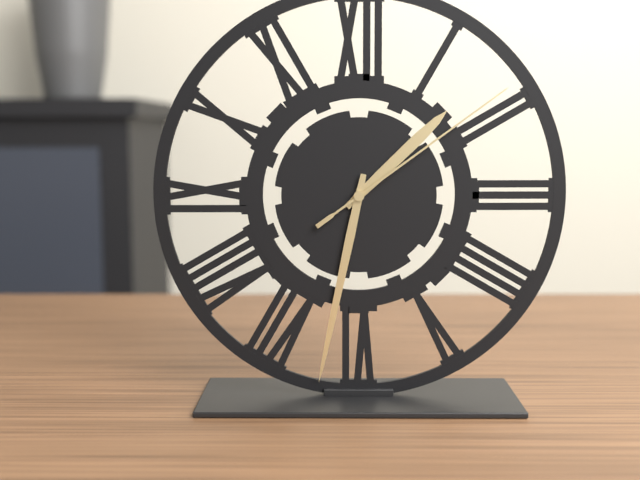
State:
1h32m09s
